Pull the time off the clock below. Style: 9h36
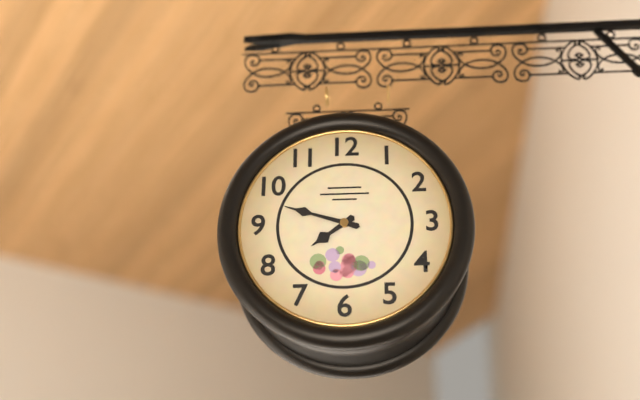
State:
7h48
